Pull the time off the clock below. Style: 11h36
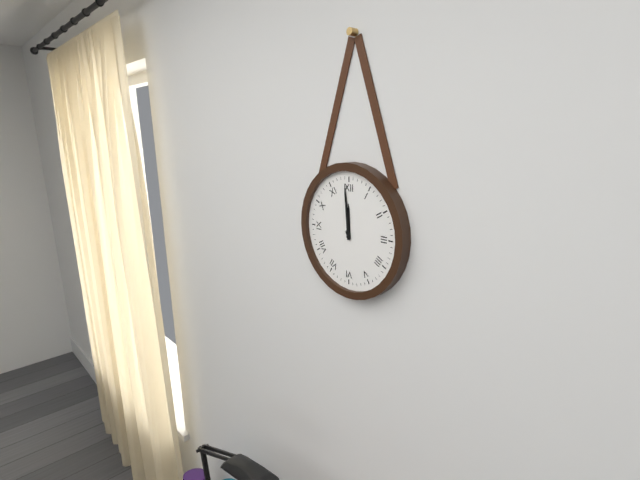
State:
11h59
